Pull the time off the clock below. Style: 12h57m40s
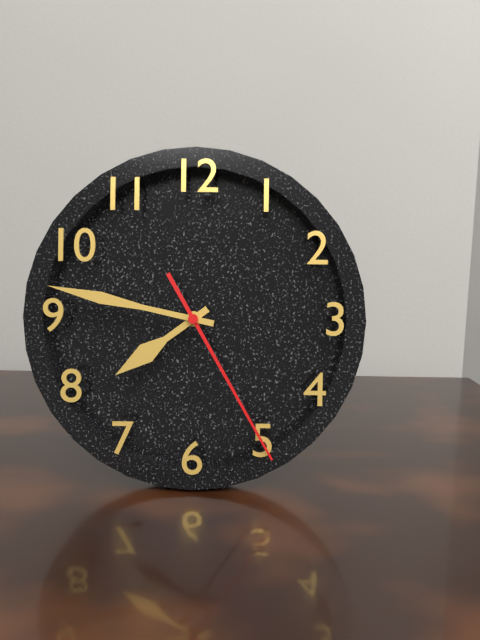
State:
7h47m25s
